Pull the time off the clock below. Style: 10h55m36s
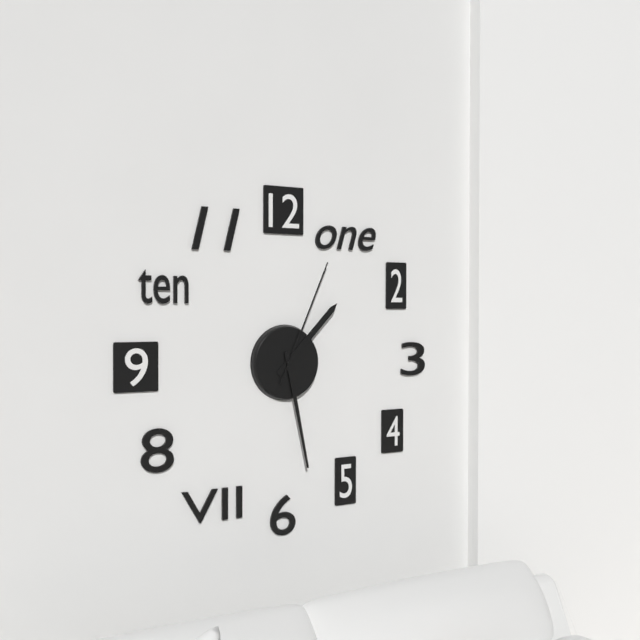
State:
1h28m04s
